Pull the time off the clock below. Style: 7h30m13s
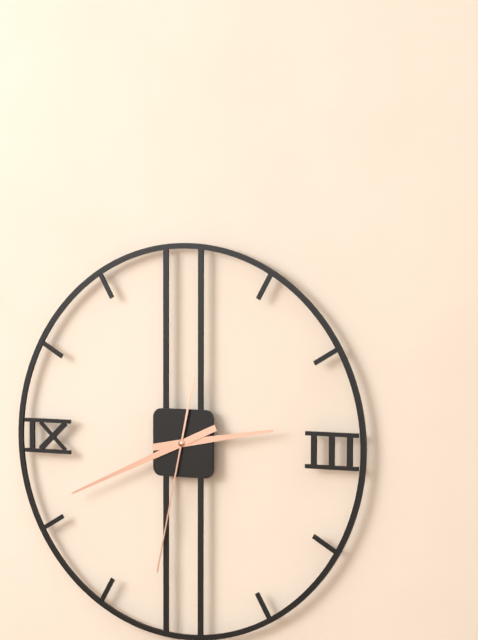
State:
2h41m32s
